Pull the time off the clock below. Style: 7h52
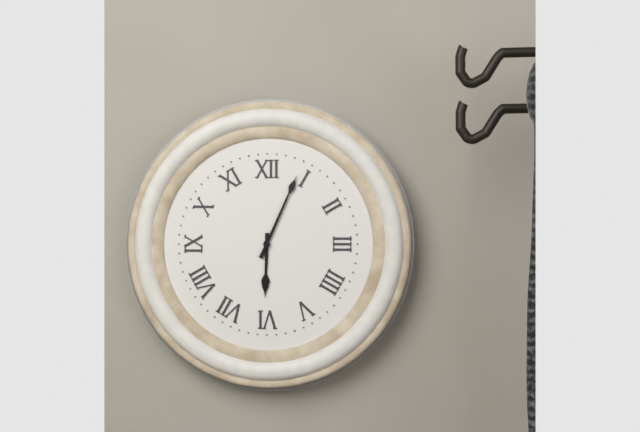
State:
6h04
